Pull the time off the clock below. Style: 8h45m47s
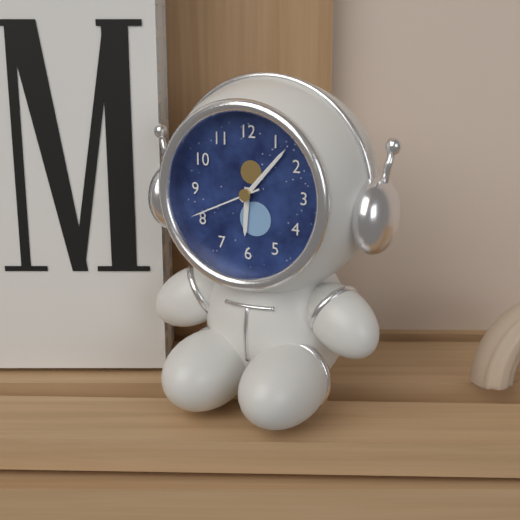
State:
6h07m41s
